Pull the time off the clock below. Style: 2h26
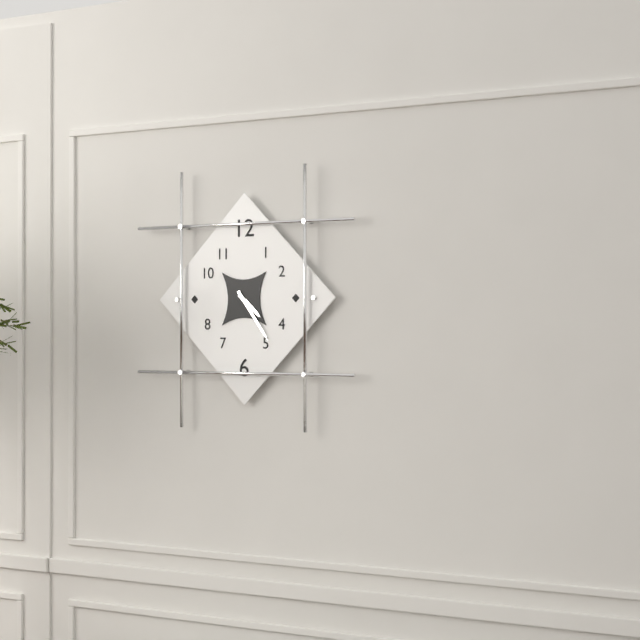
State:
4h24
